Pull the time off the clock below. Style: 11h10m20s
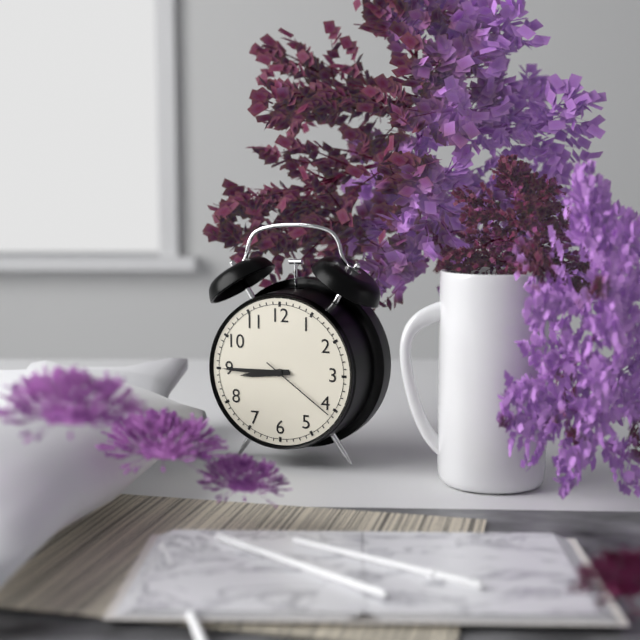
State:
8h45m21s
